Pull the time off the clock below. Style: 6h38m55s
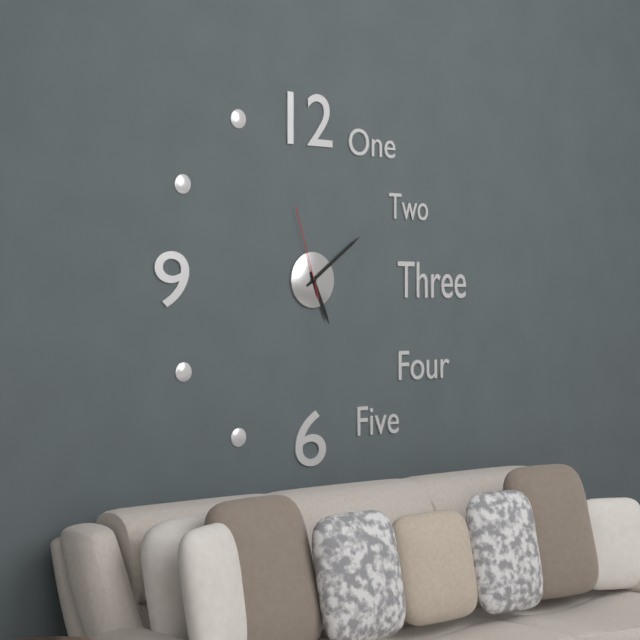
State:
5h09m57s
